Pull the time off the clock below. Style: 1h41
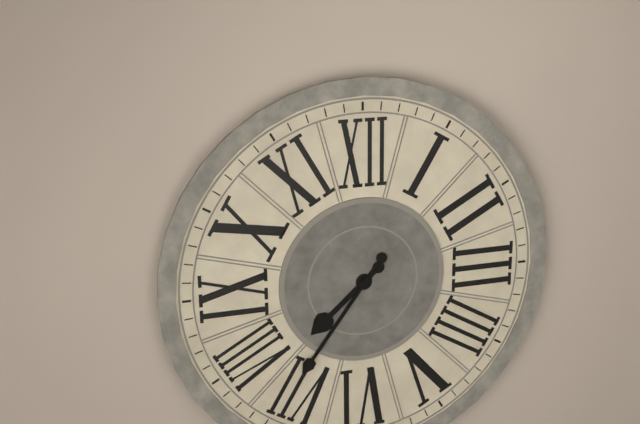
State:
7h36
